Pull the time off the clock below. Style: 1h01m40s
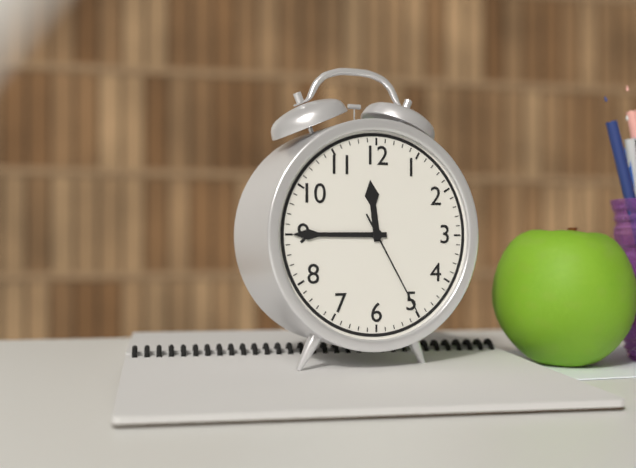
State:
11h45m25s
